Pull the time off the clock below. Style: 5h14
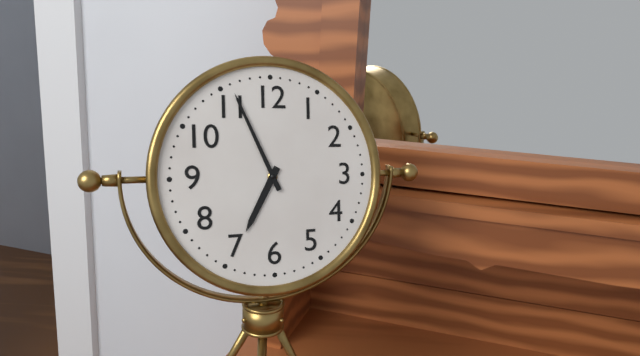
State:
6h56
